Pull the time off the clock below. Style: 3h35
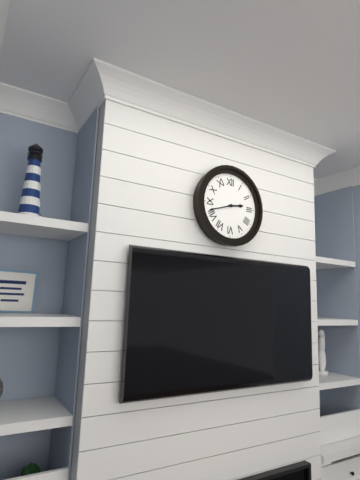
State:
2h42
